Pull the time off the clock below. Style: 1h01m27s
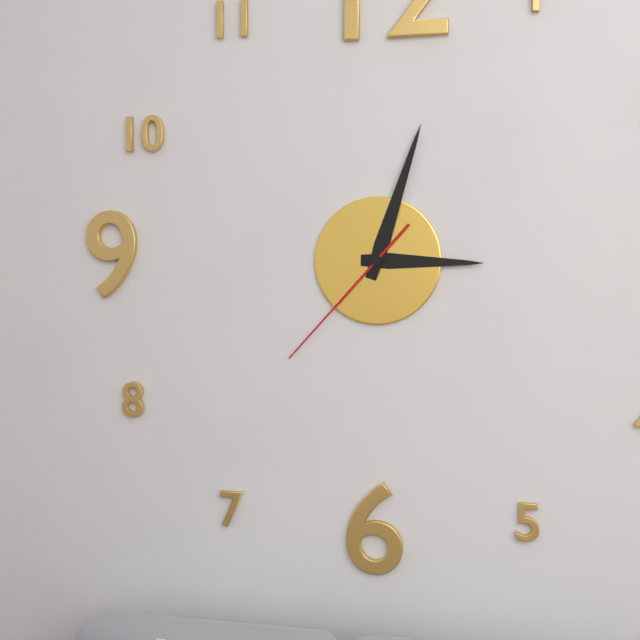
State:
3h03m37s
